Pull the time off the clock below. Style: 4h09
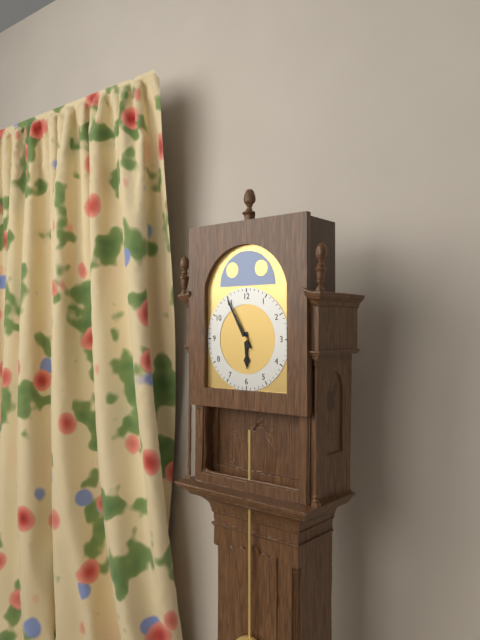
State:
5h55
